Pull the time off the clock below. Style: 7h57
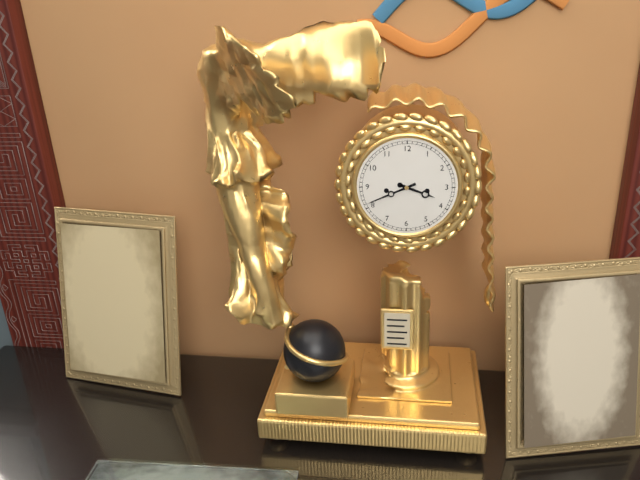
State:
3h41
